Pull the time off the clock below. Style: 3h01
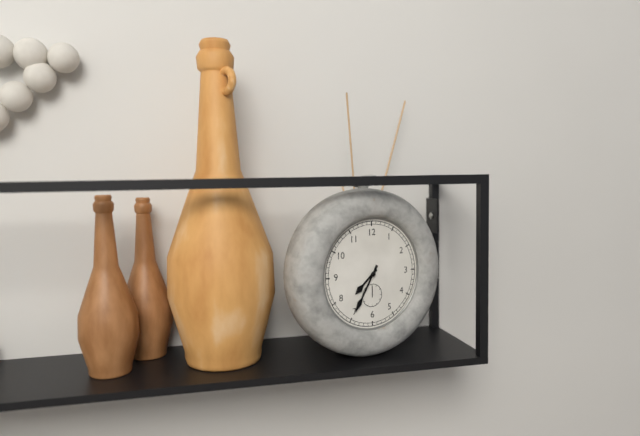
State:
7h35
